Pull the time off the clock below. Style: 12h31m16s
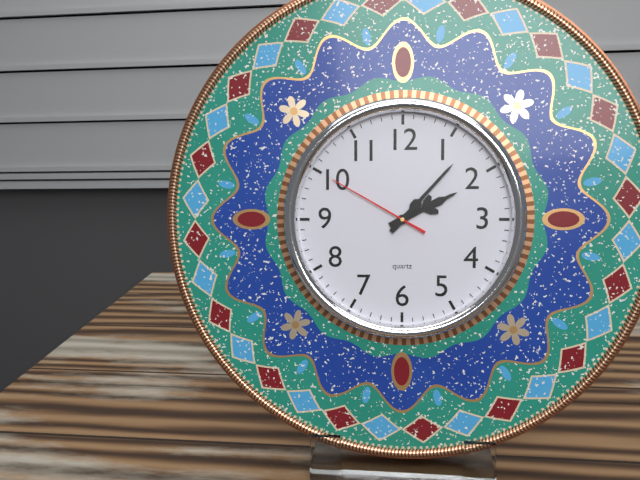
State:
2h07m50s
